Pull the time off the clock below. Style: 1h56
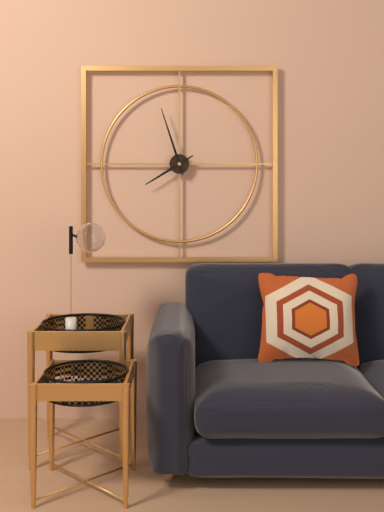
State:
7h57
